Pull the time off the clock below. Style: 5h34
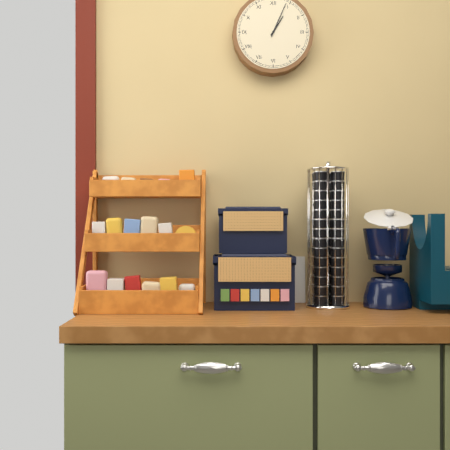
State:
1h04
